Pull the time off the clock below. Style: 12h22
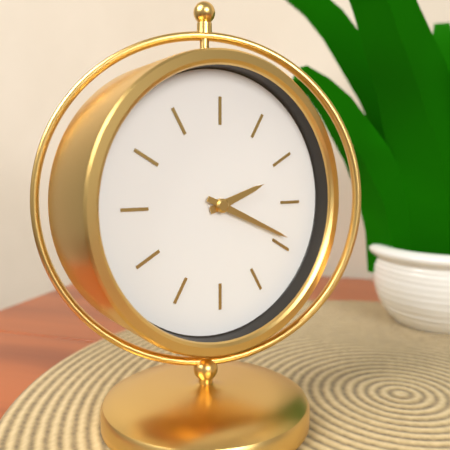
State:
2h19
